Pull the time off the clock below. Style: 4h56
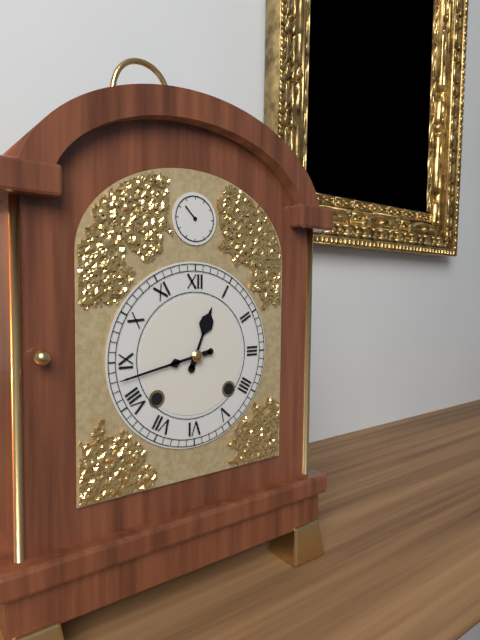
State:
12h43
